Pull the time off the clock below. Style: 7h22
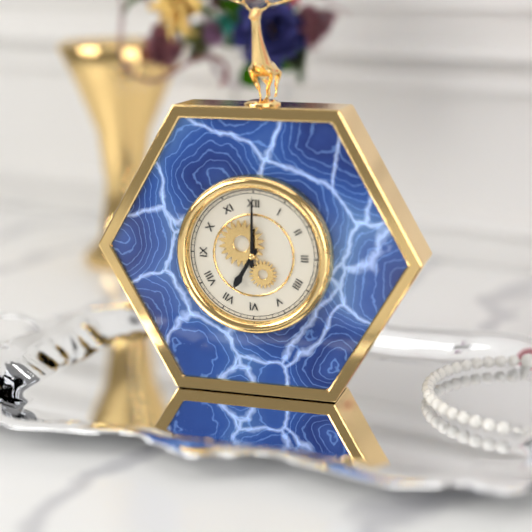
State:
7h00
